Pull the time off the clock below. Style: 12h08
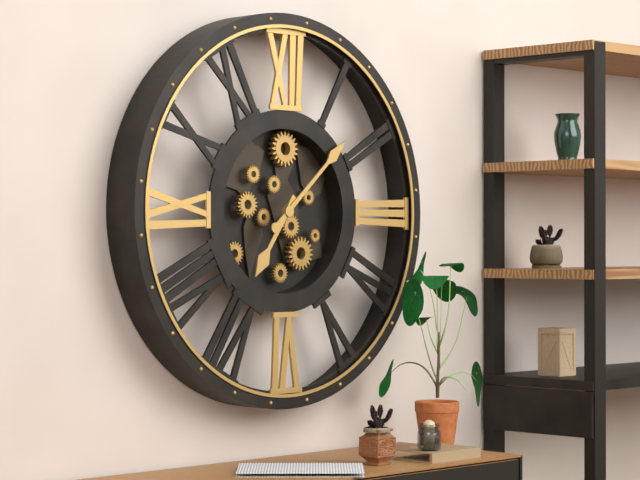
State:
7h08
